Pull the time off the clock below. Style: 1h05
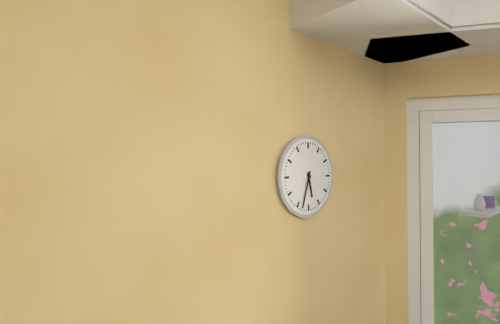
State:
5h33
